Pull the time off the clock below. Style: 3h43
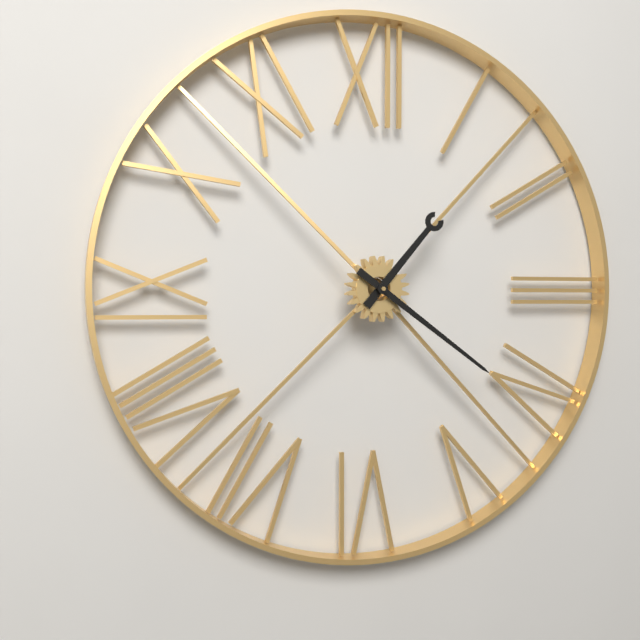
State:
1h21
